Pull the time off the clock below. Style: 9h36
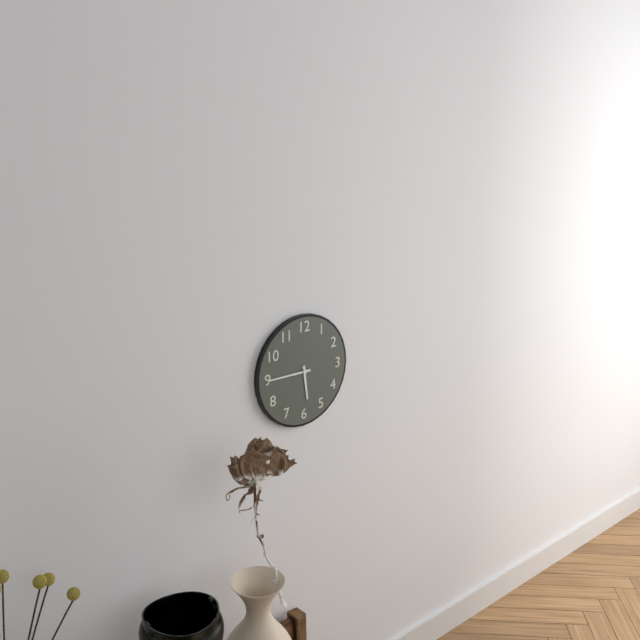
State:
5h45
